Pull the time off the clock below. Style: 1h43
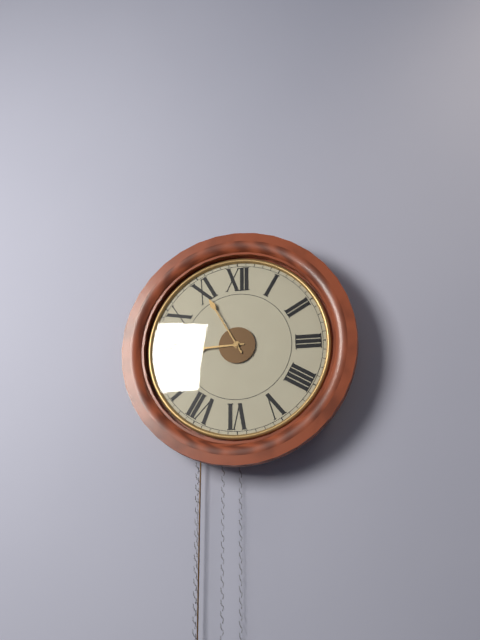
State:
8h55
